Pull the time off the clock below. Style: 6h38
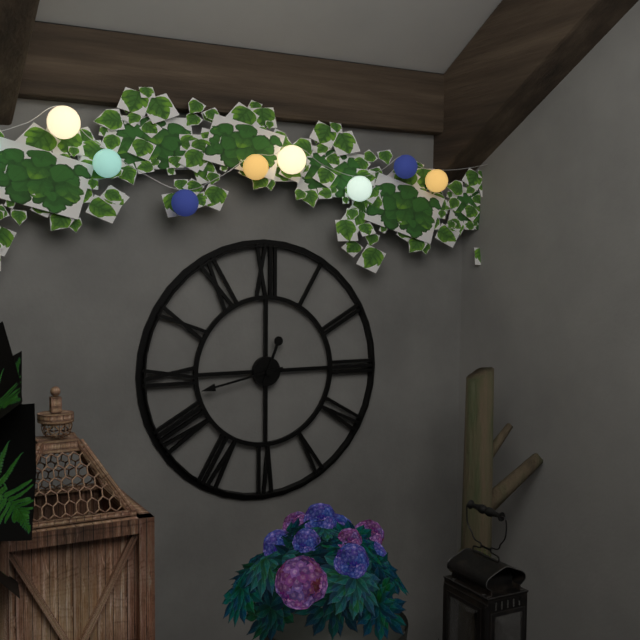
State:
12h43
